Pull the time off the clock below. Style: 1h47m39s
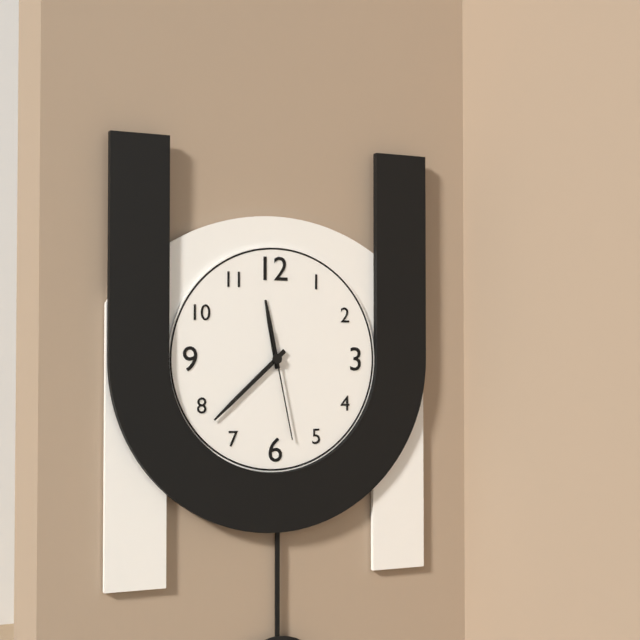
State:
11h38m28s
